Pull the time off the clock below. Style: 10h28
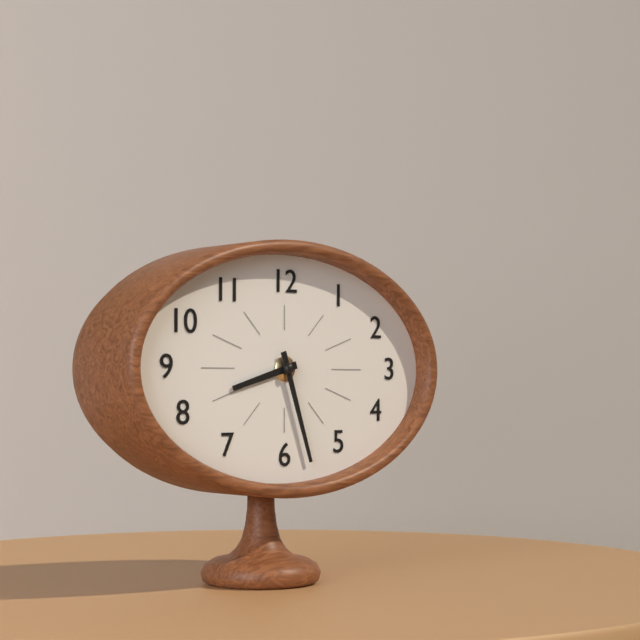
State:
8h27
